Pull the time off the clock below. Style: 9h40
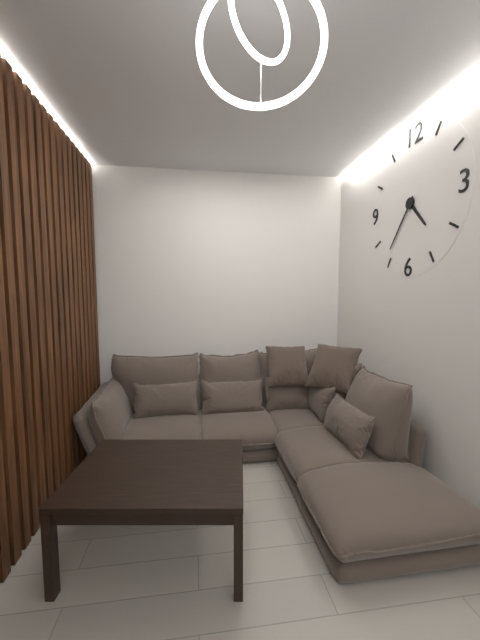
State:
4h36
